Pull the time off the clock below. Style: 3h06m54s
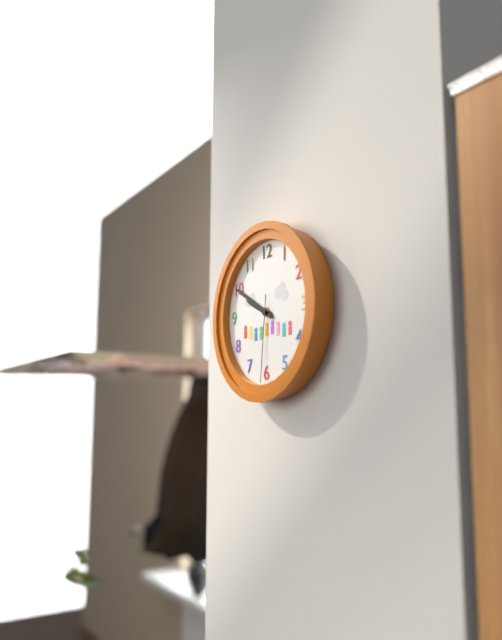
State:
9h50m31s
